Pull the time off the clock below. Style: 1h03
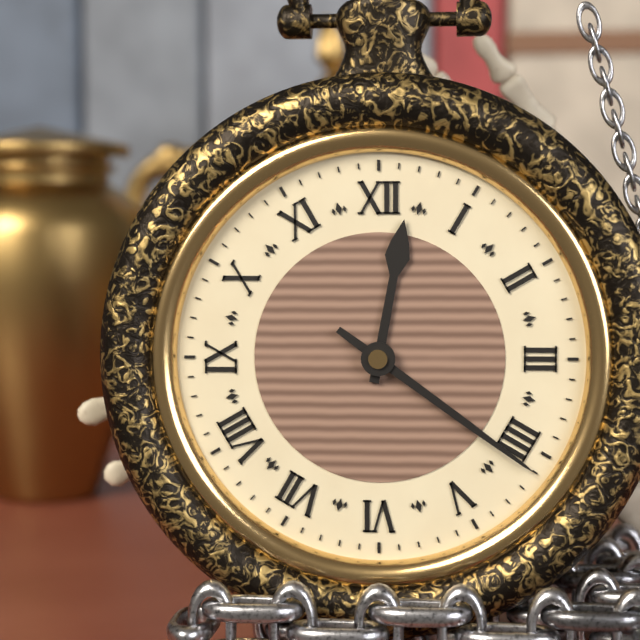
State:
12h21
